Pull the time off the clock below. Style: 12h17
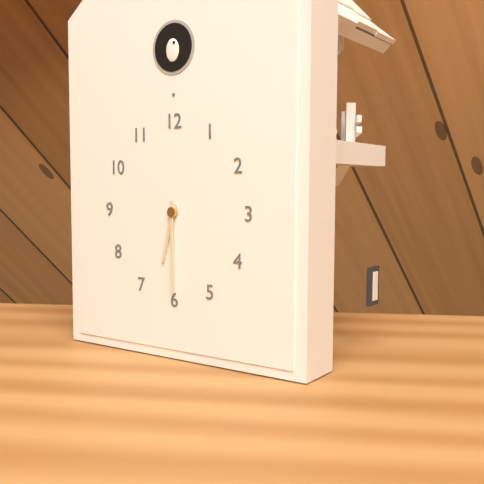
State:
6h30
